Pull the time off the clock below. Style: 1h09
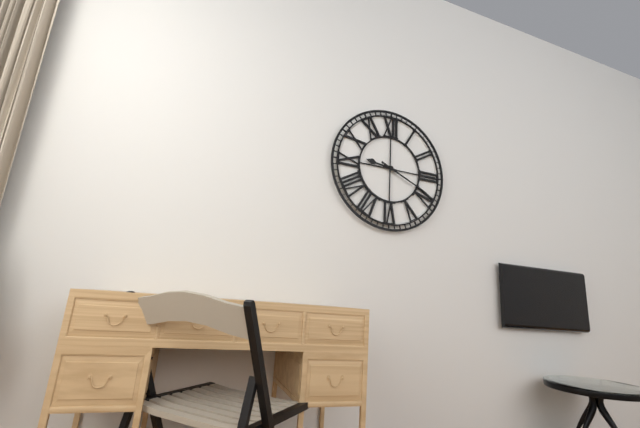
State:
9h19
